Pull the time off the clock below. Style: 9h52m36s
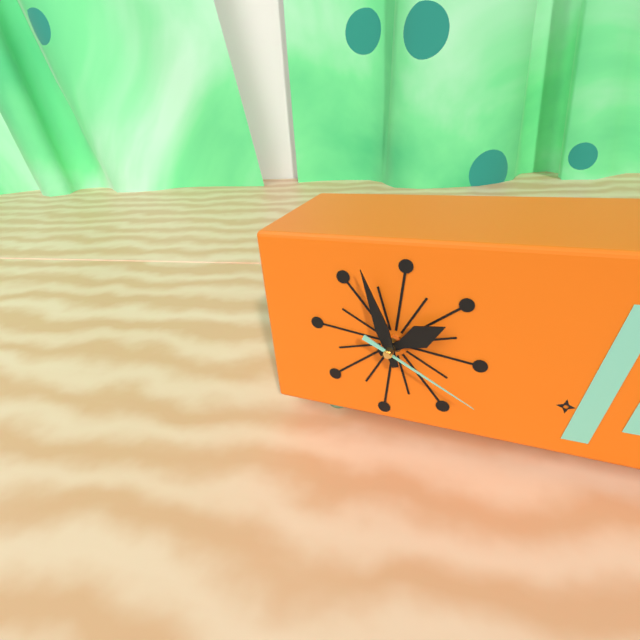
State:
1h57m20s
